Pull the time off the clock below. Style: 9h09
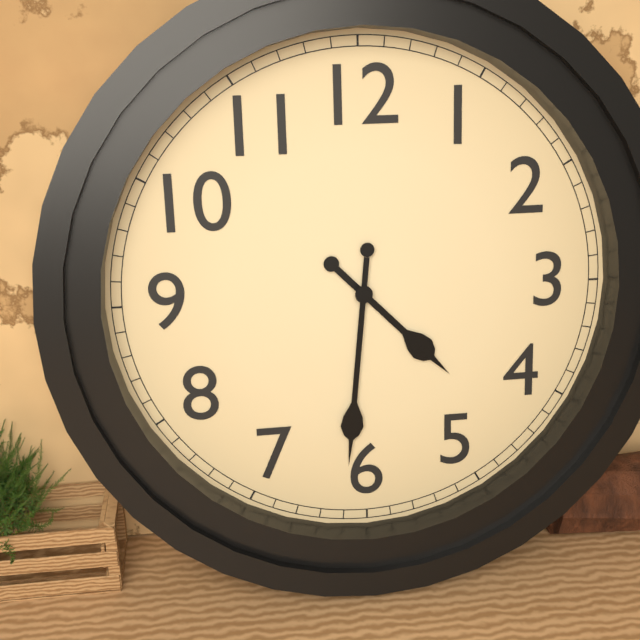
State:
4h31
